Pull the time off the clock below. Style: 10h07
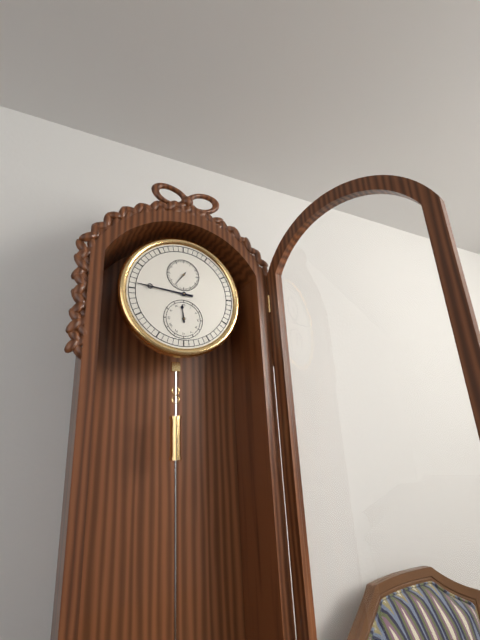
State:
11h46
